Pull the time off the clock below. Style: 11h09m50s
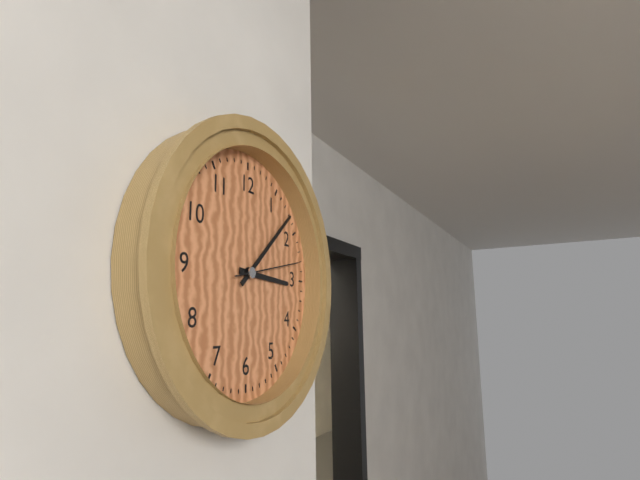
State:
3h08m13s
